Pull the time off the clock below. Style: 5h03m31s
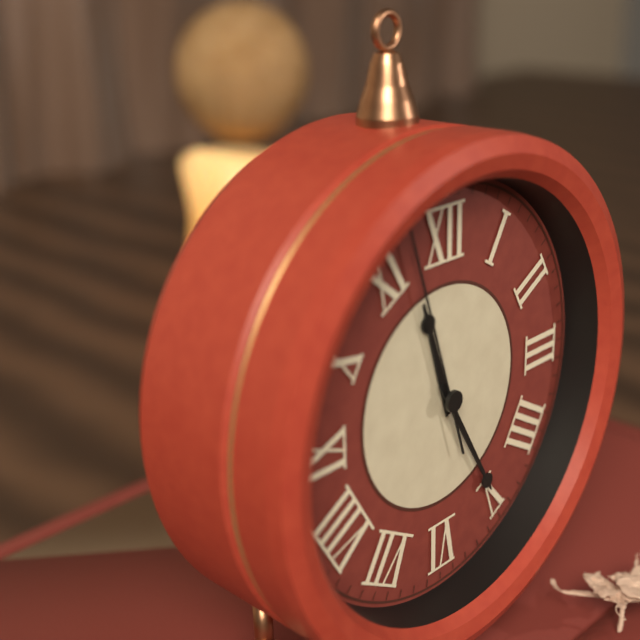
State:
11h25m57s
